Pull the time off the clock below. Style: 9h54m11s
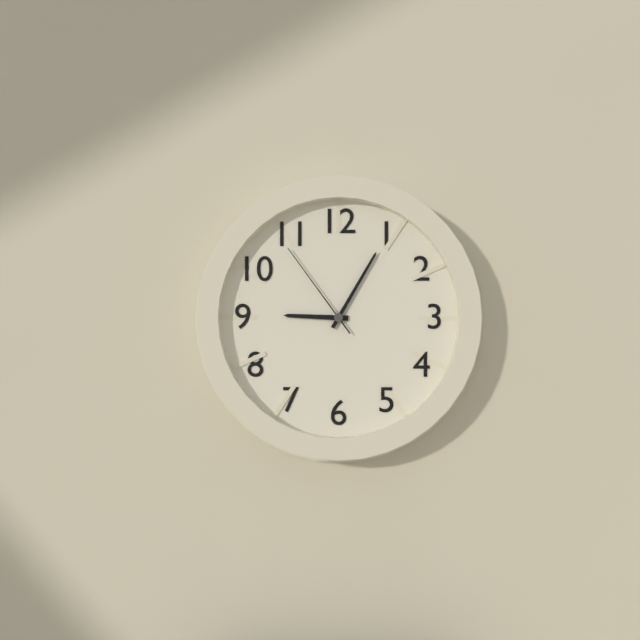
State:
9h05m54s
